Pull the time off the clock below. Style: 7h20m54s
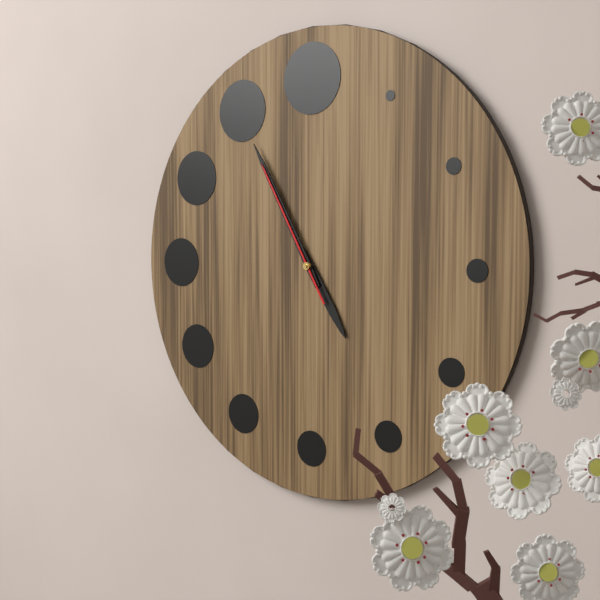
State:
4h55m55s
